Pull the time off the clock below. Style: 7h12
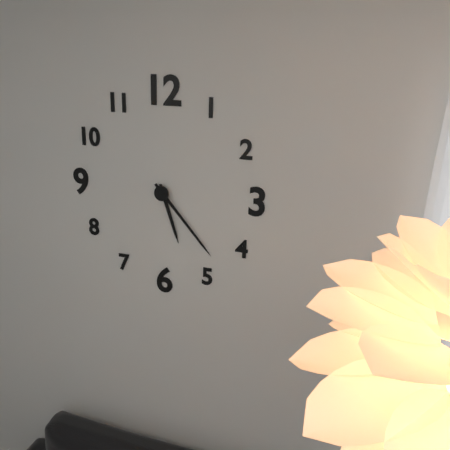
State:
5h23
